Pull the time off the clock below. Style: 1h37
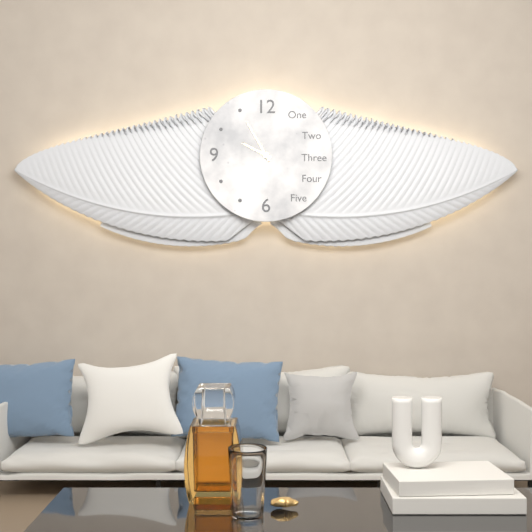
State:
9h55
